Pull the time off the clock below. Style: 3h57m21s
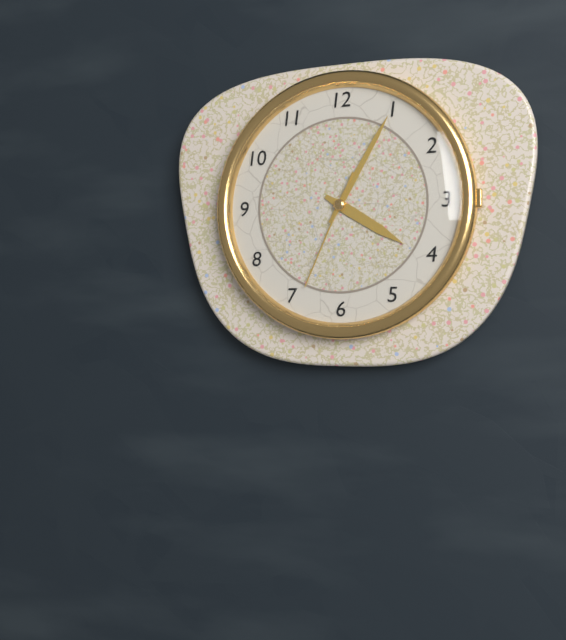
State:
4h05m34s
